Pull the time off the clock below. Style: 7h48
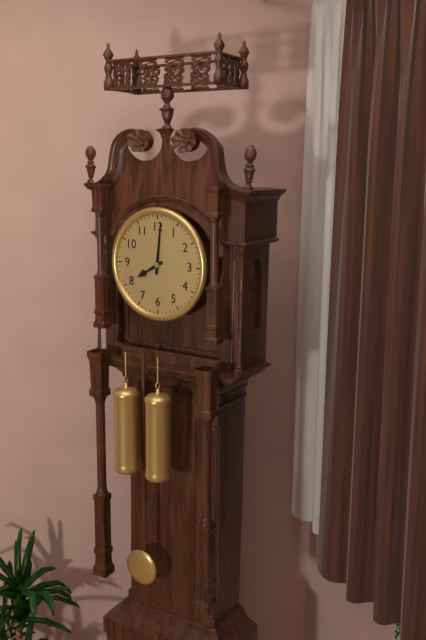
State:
8h01
